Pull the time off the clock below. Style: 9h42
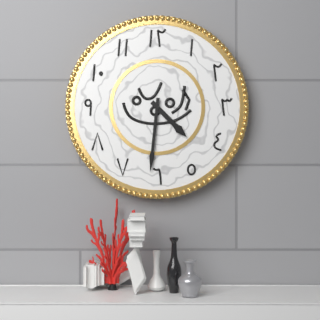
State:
4h31
